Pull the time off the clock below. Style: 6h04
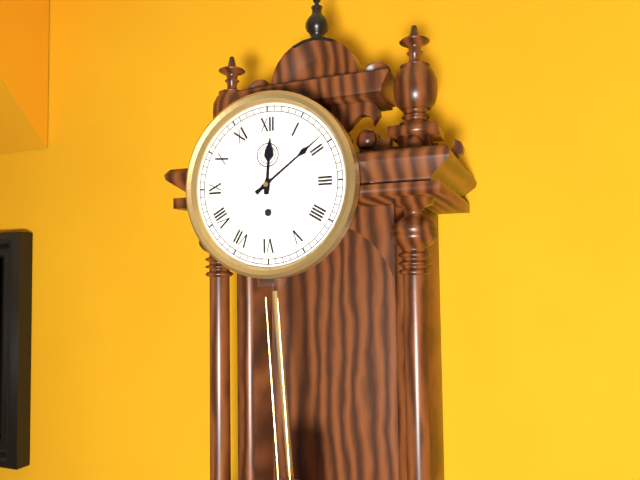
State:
12h09
